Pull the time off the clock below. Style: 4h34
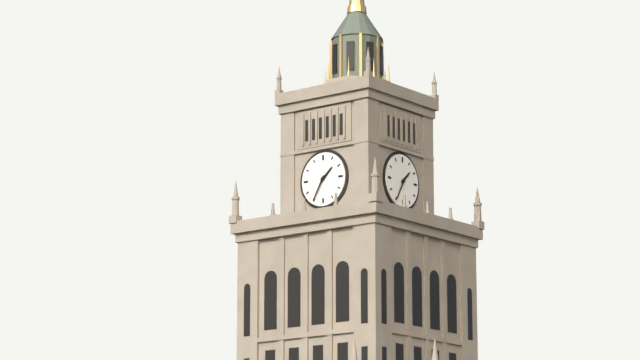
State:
1h35
